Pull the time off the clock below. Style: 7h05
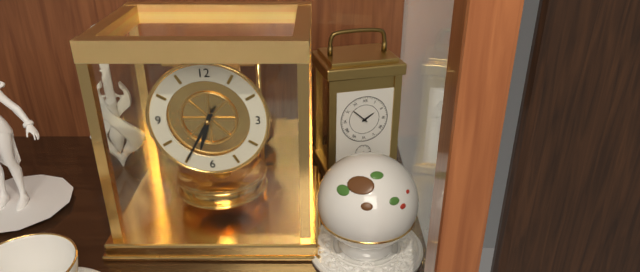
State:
6h35
